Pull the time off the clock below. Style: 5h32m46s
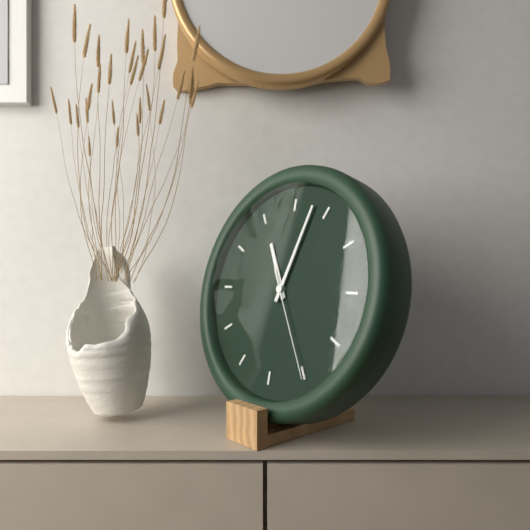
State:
11h03m25s
